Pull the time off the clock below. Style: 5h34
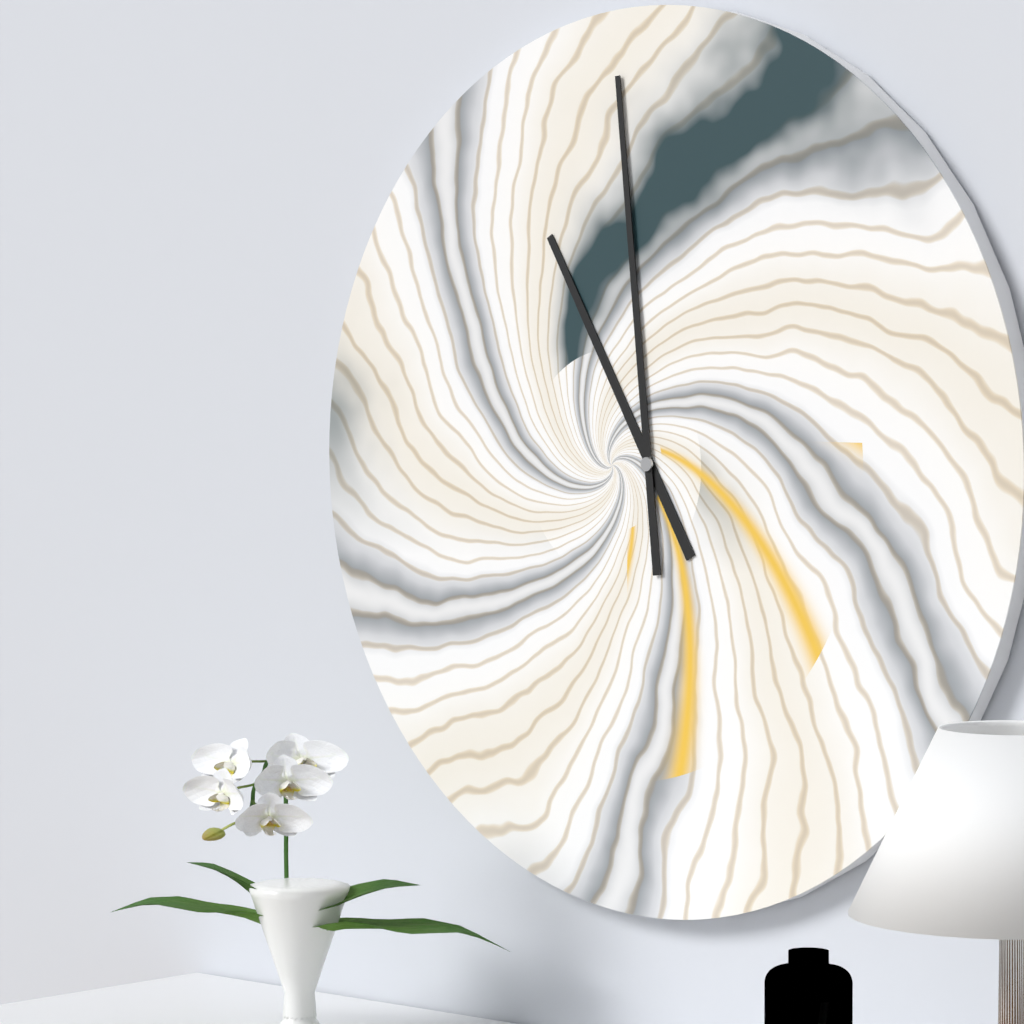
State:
10h59
